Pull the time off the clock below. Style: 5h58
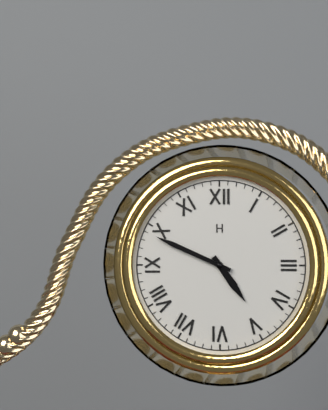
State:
4h49
